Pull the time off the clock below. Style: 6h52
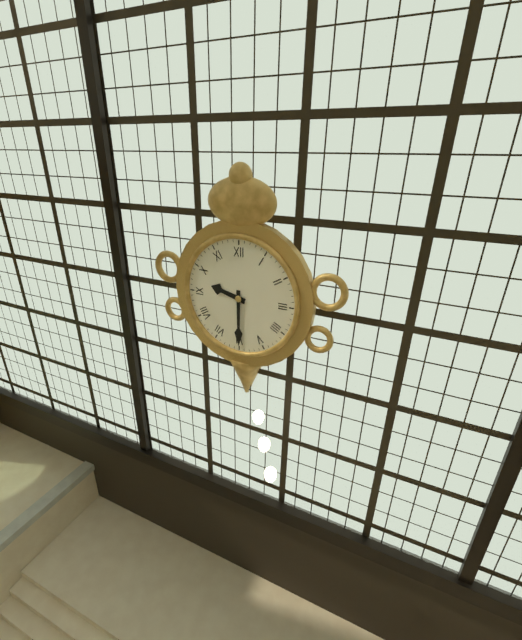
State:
9h30
